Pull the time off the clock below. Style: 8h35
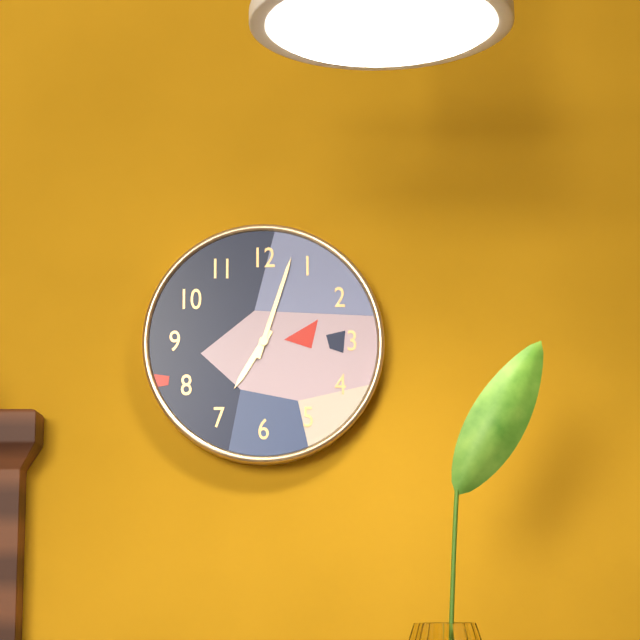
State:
7h03
